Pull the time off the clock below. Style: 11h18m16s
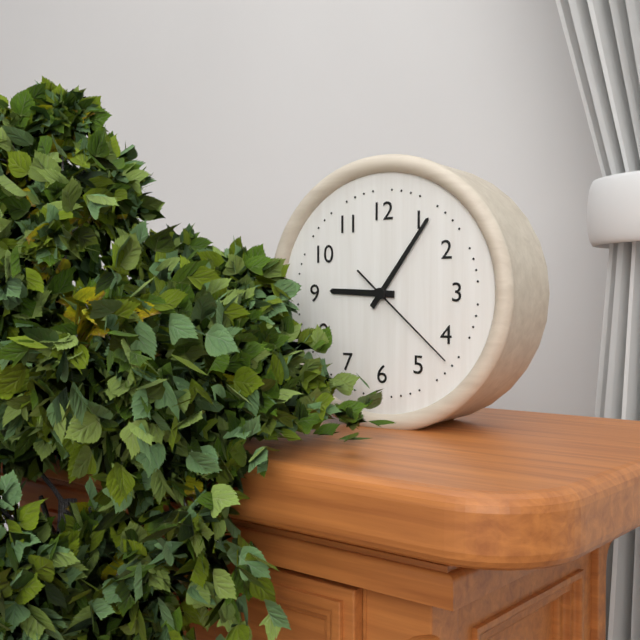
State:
9h06m22s
